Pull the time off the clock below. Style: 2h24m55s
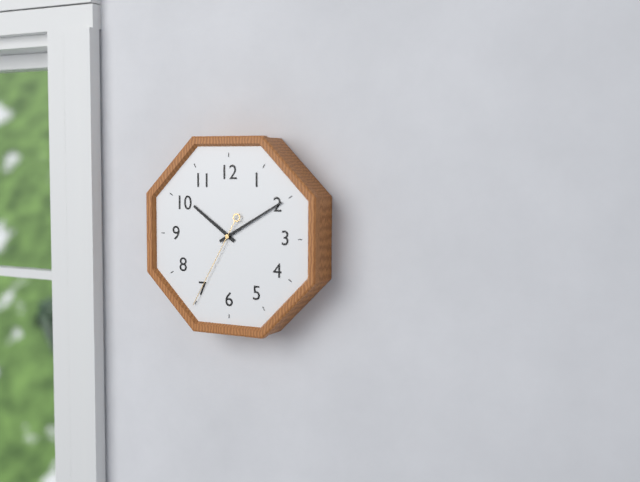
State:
10h10m35s
